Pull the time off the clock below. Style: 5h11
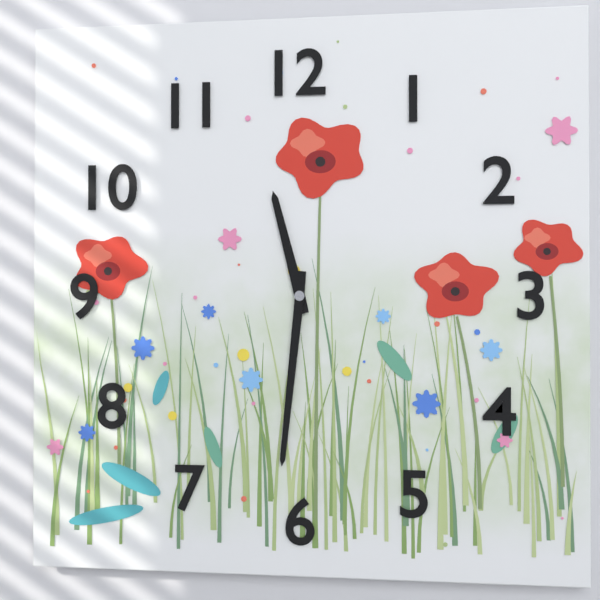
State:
11h31
